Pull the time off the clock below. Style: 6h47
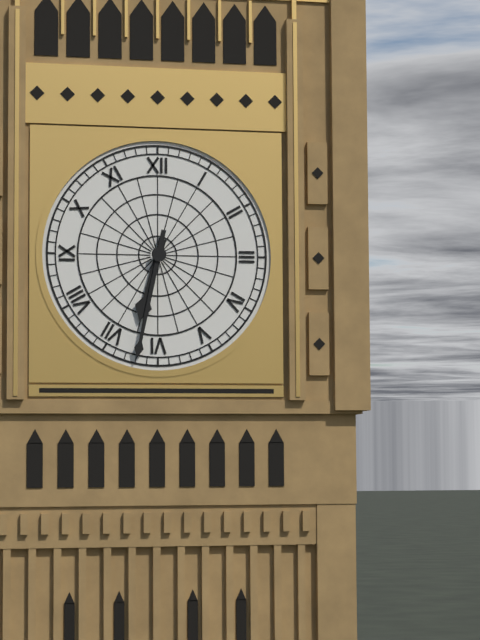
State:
6h32
